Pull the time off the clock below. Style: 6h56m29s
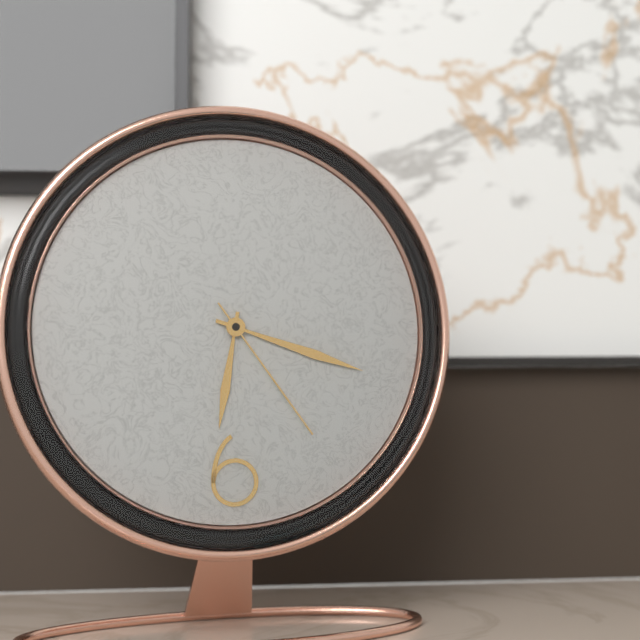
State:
6h18m24s
